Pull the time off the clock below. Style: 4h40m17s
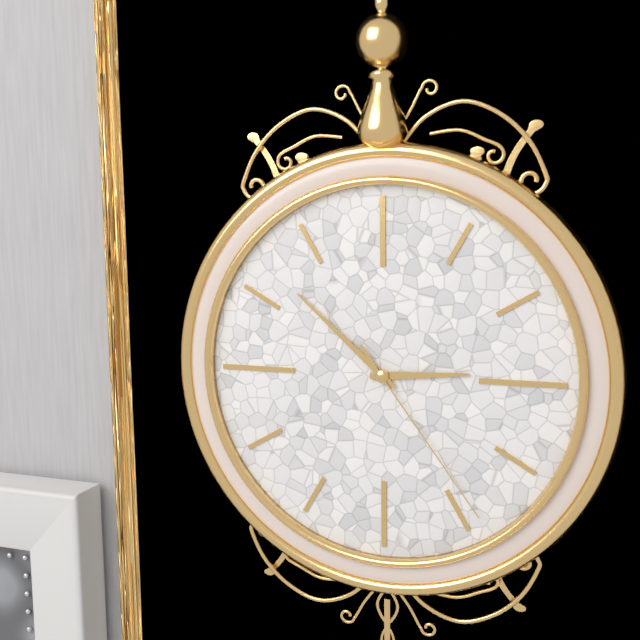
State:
2h52m24s
